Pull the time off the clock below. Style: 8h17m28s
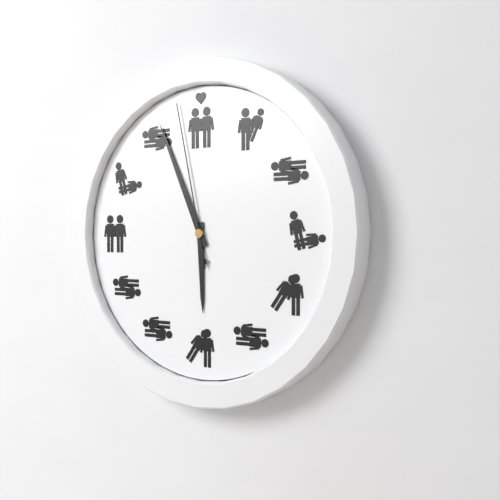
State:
5h56m58s
